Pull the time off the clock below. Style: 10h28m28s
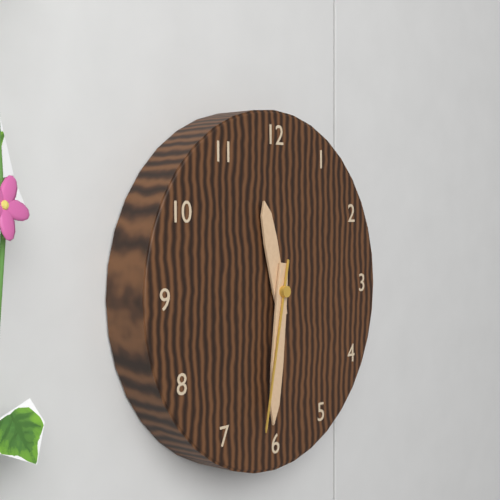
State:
11h31m32s
